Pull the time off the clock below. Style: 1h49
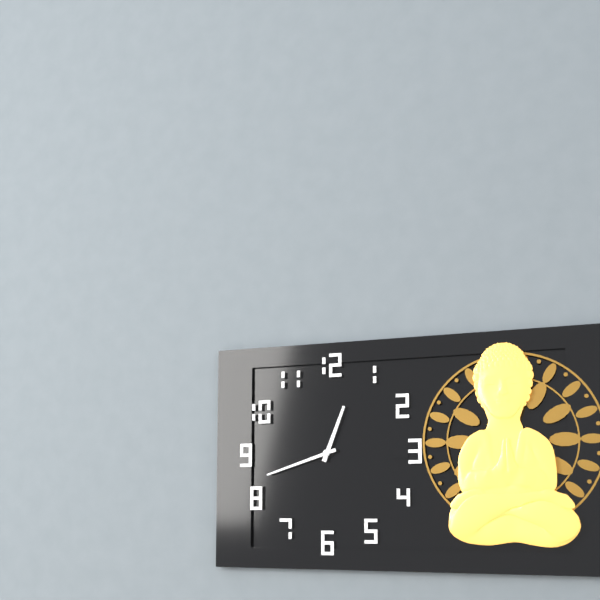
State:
12h42
